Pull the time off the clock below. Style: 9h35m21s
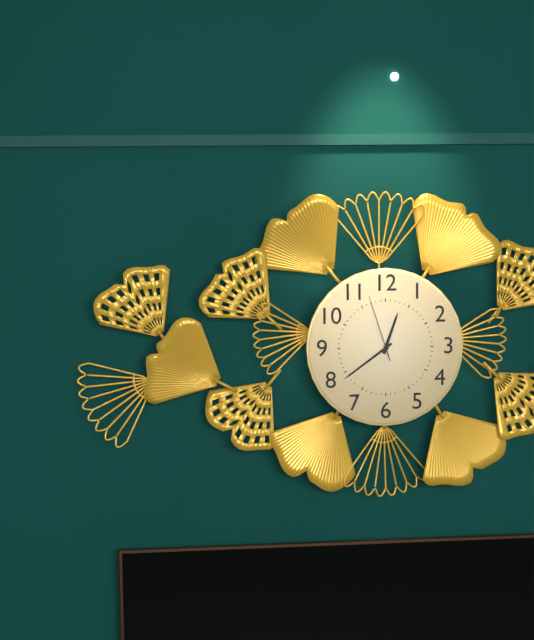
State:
12h39m57s
